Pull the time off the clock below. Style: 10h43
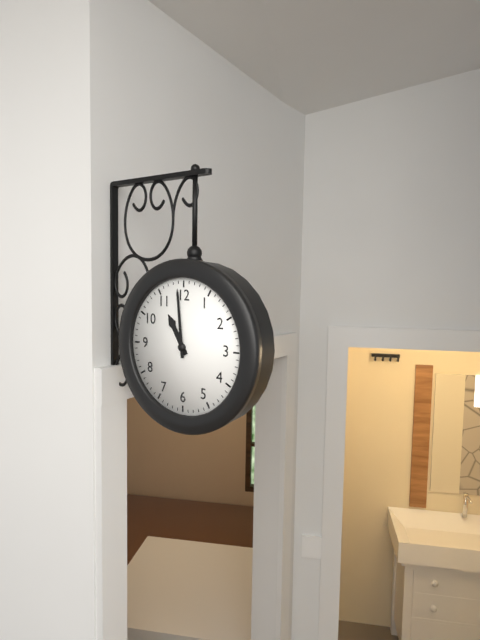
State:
10h59
